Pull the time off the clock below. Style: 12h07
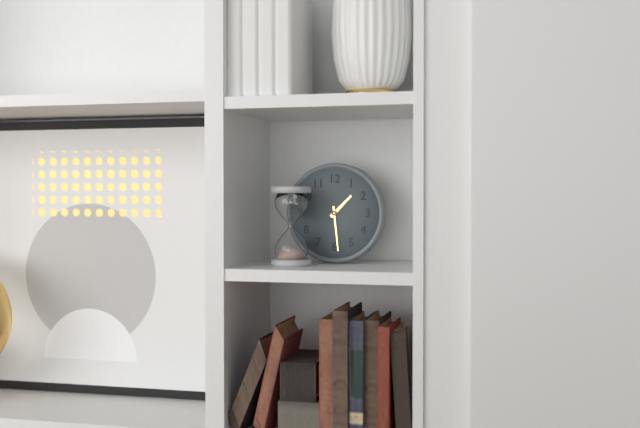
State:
1h29
